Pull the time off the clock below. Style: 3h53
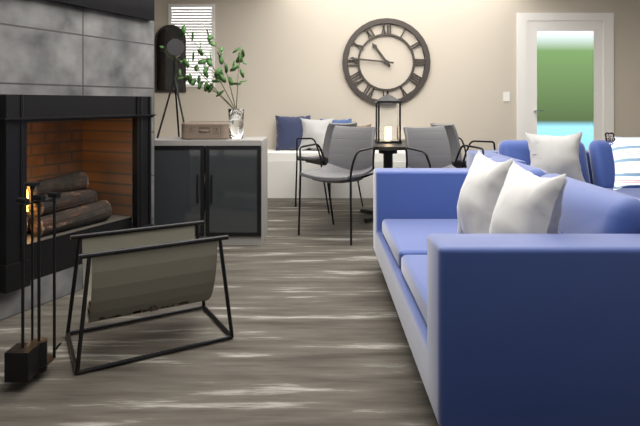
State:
10h46
